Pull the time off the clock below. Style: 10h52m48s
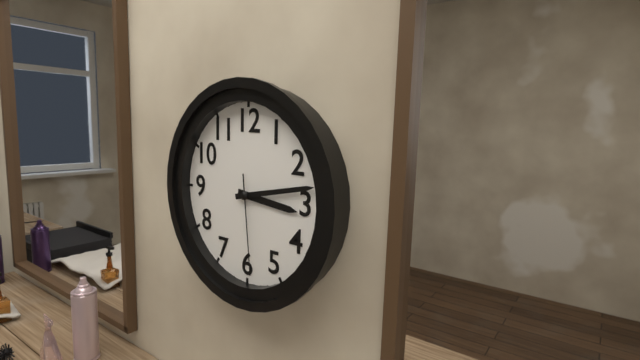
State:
3h13m29s
